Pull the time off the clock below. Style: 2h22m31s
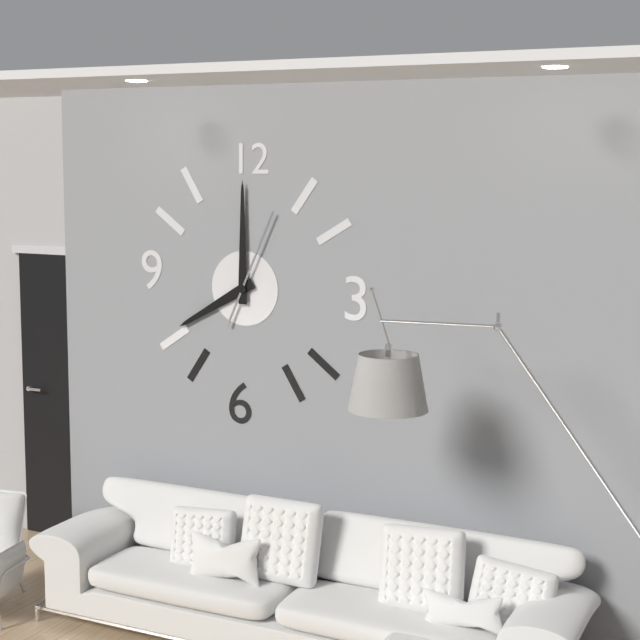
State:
8h00m04s
